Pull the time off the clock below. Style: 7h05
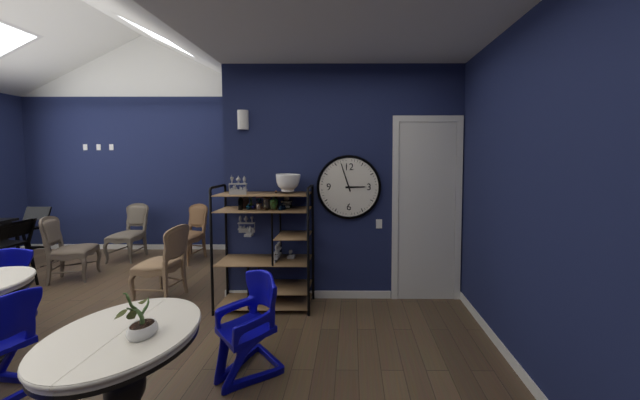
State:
2h57
